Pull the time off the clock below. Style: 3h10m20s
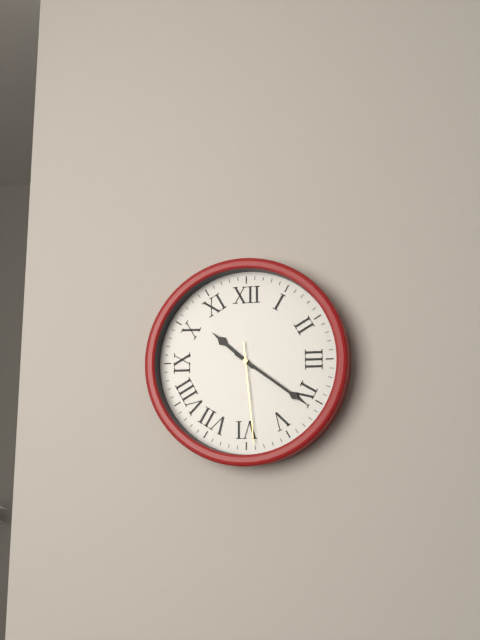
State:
10h21m29s
